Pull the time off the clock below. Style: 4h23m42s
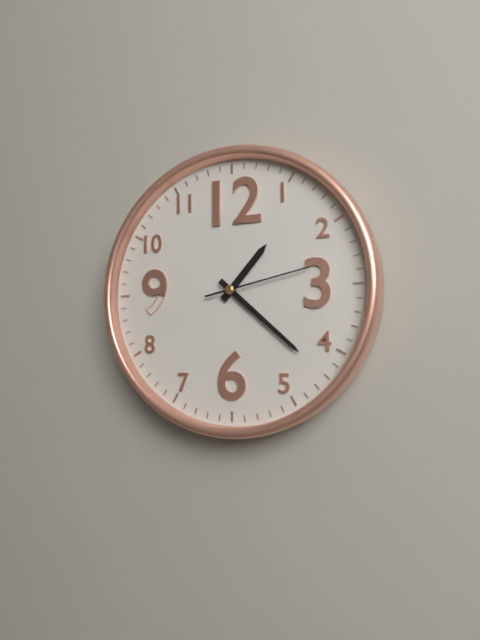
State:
1h22m13s
